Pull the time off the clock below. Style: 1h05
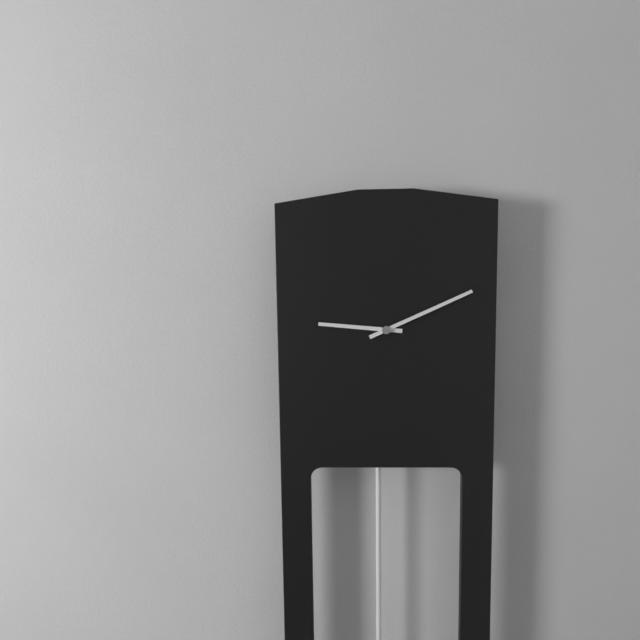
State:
9h11
